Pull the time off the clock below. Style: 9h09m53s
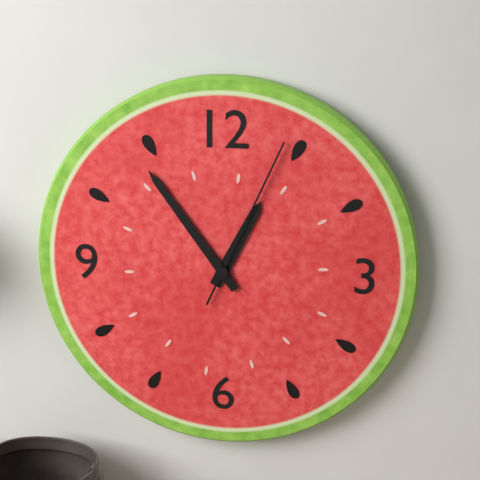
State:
12h54m04s
